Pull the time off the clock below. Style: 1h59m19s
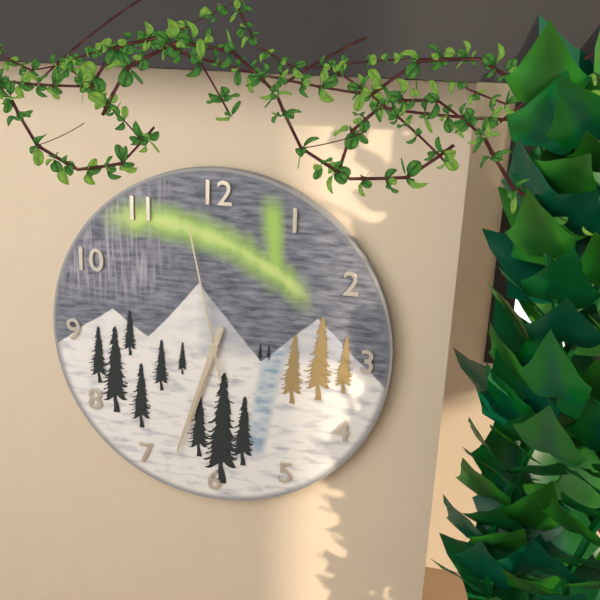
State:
6h33m58s
